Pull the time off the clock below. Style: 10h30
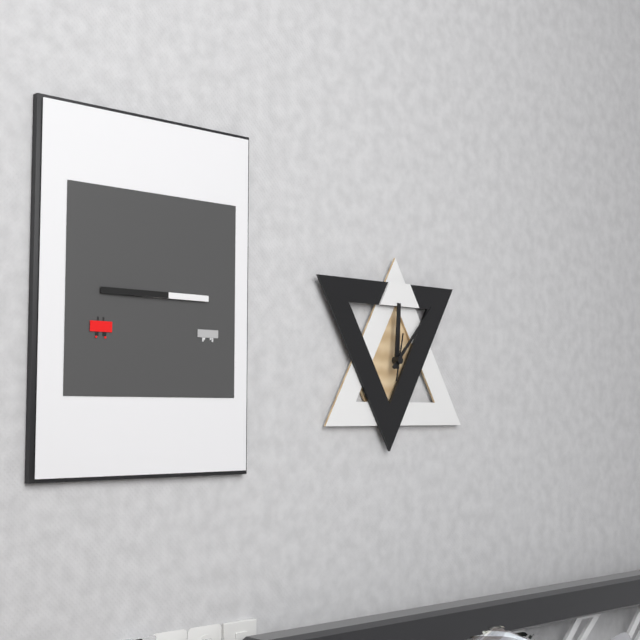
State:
12h07
